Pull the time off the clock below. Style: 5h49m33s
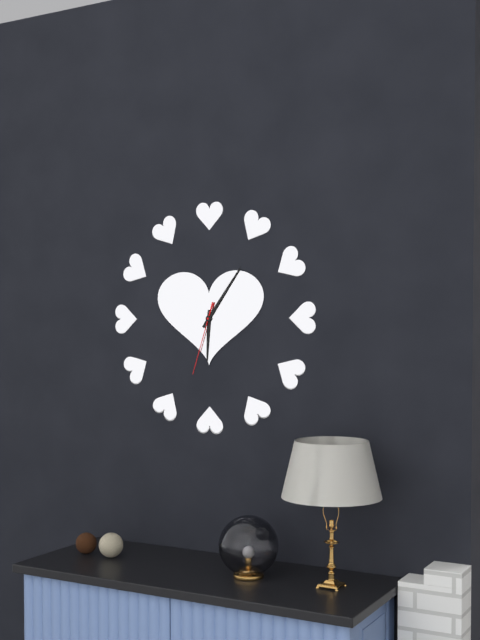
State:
6h06m33s
